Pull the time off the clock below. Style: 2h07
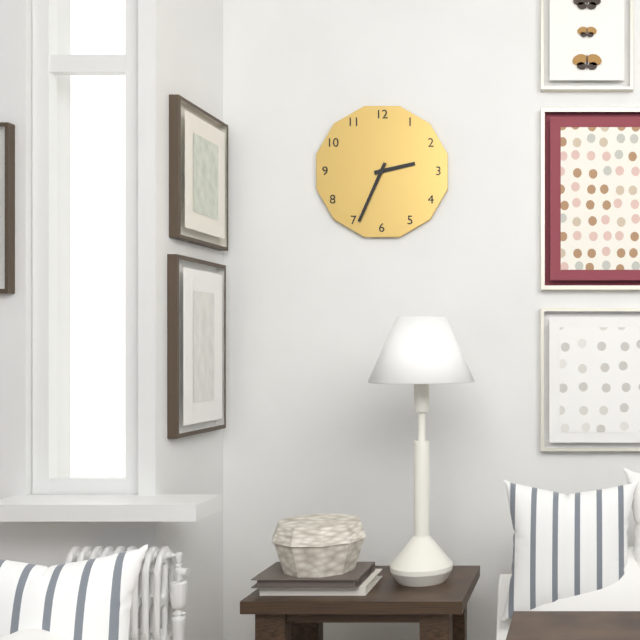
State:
2h34
